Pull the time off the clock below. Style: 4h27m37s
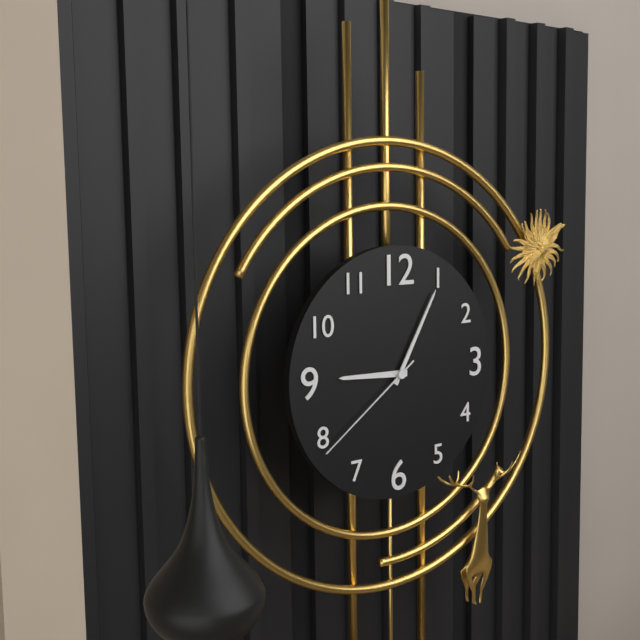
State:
9h05m39s
